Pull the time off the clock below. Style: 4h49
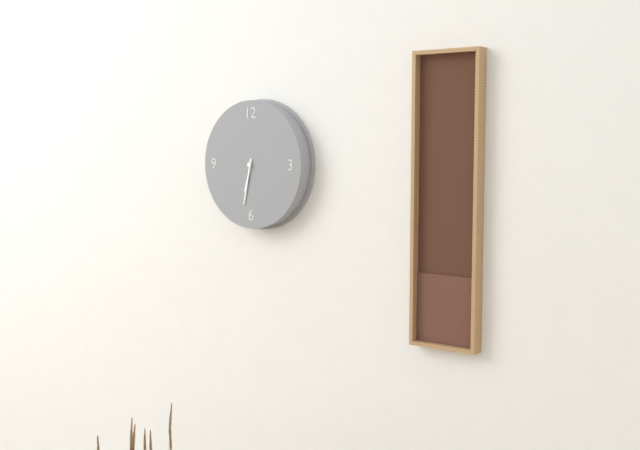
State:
6h32
